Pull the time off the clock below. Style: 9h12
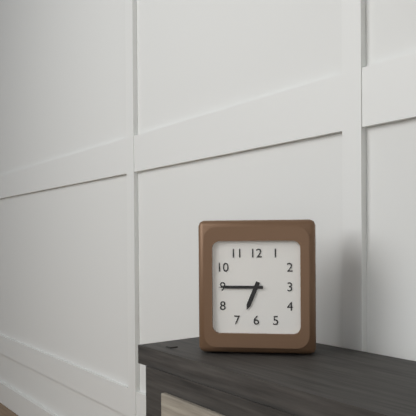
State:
6h45
